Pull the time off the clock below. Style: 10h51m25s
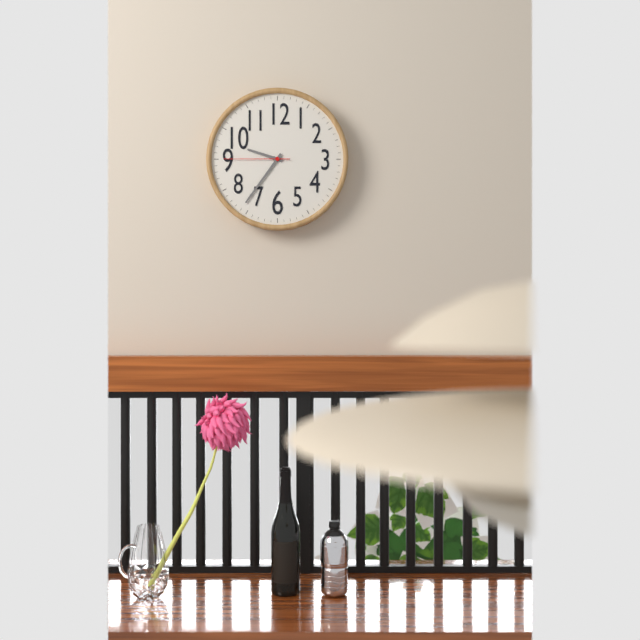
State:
9h36m45s
